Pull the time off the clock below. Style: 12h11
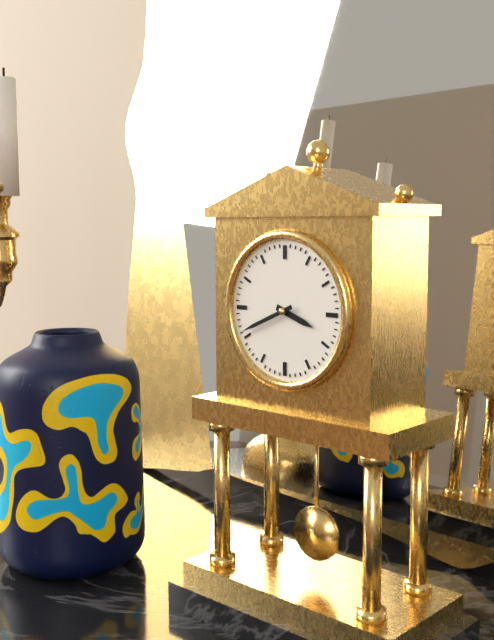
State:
3h41
